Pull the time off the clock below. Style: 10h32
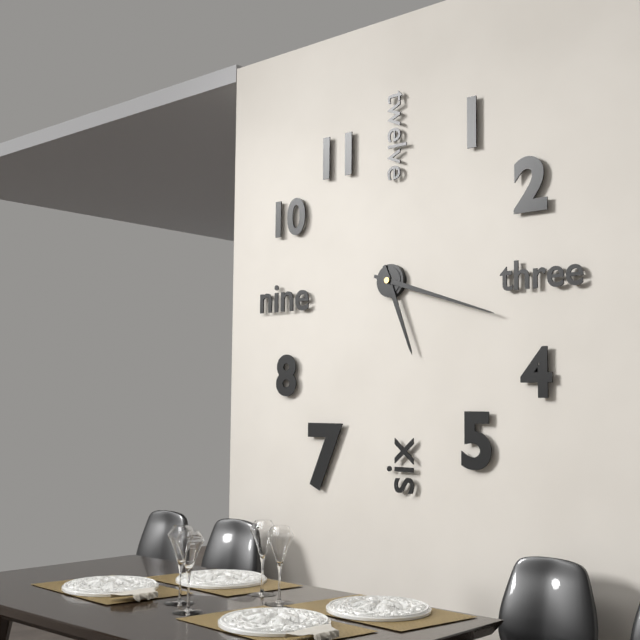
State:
5h18
